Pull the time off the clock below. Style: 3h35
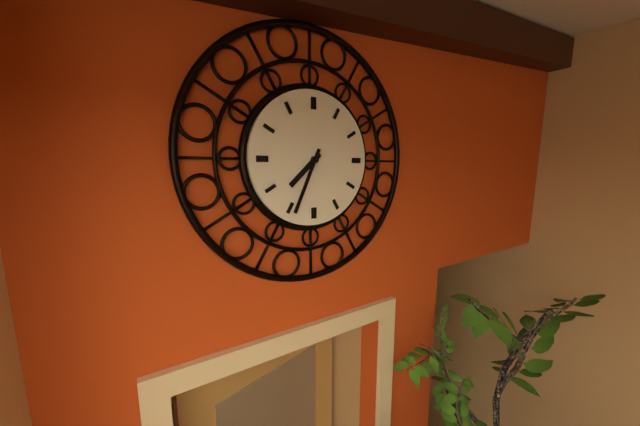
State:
7h34
